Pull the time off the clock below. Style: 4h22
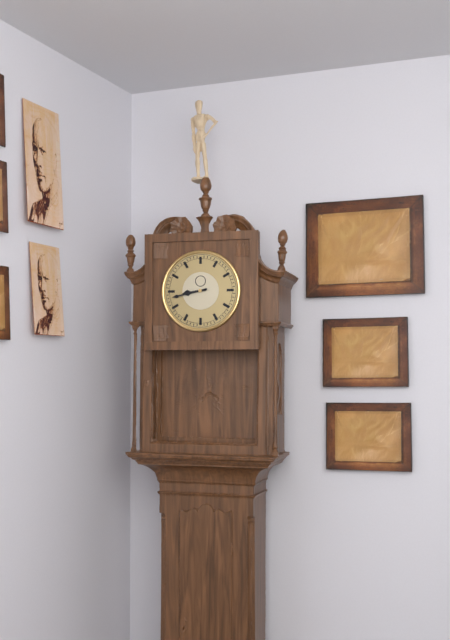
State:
8h43
